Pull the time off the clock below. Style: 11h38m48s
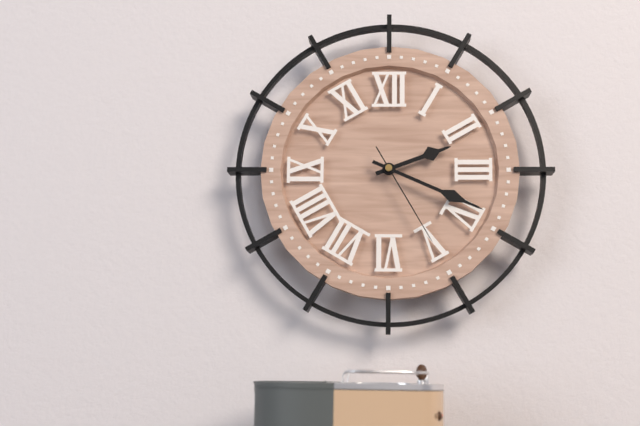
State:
2h19m25s
